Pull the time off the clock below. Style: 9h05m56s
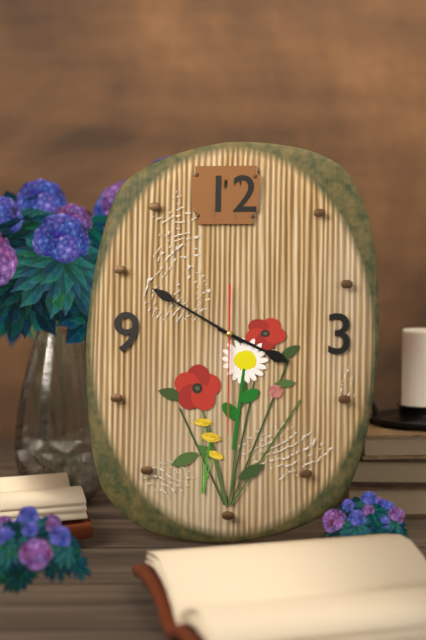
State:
3h50m30s
